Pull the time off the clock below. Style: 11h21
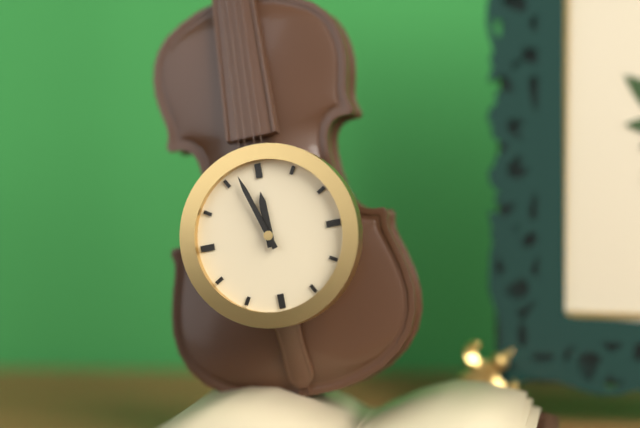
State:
11h57
